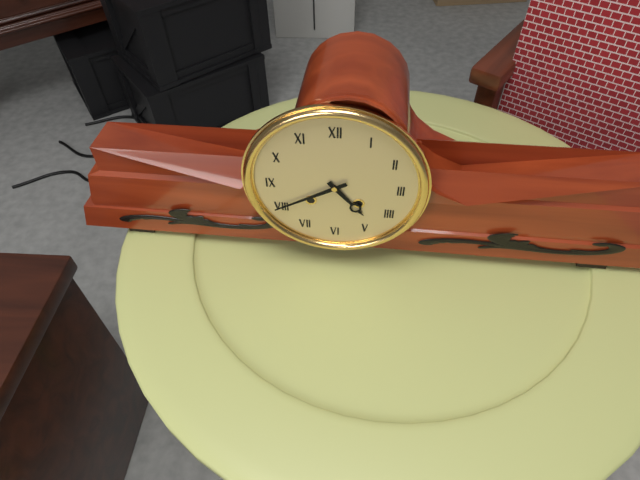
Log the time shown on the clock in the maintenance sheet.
4:40
